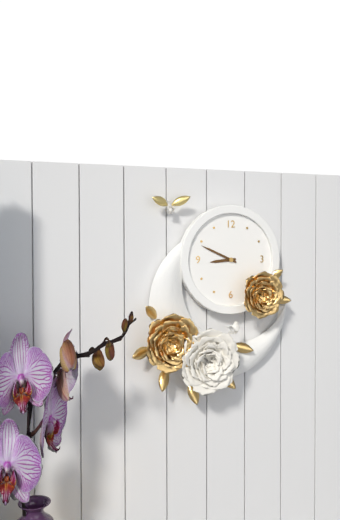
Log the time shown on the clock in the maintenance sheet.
8:49
